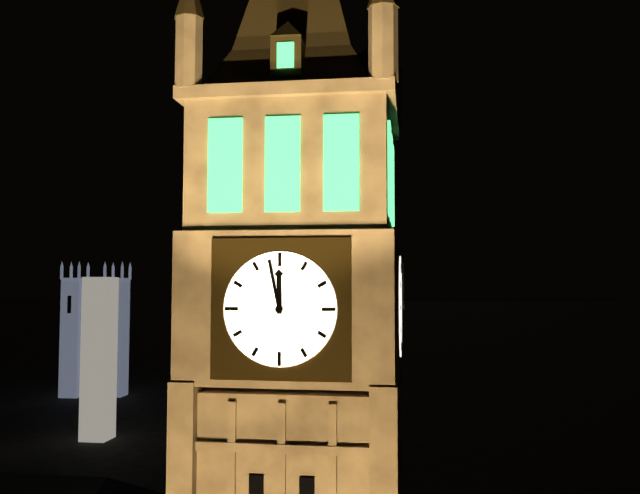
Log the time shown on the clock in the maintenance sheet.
11:58
